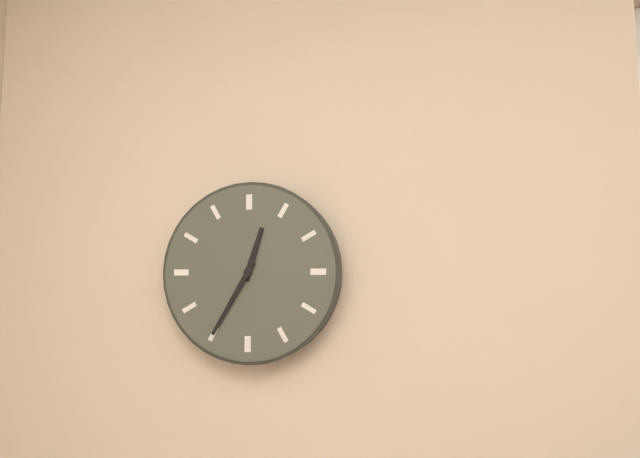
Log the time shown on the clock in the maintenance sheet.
12:35
